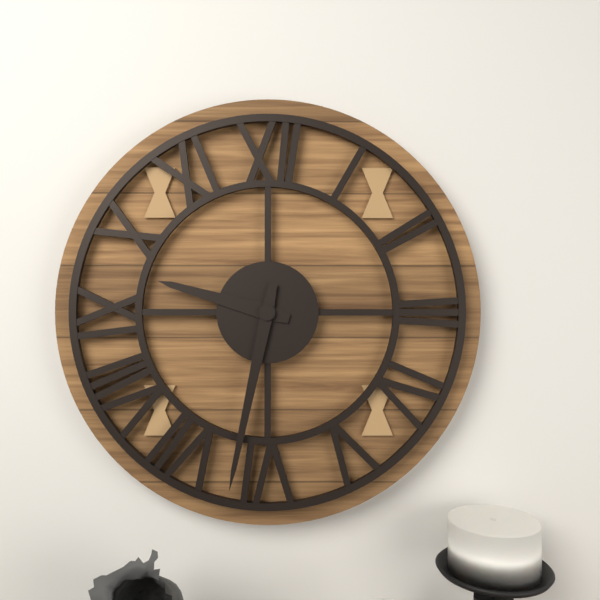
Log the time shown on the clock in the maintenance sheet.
9:32
